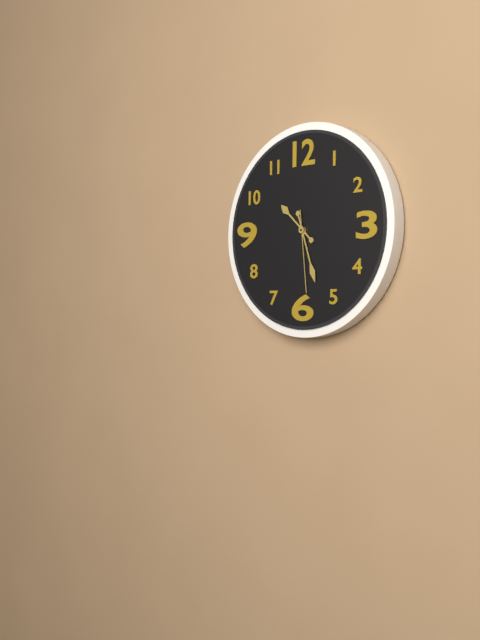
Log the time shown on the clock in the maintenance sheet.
10:27:29
